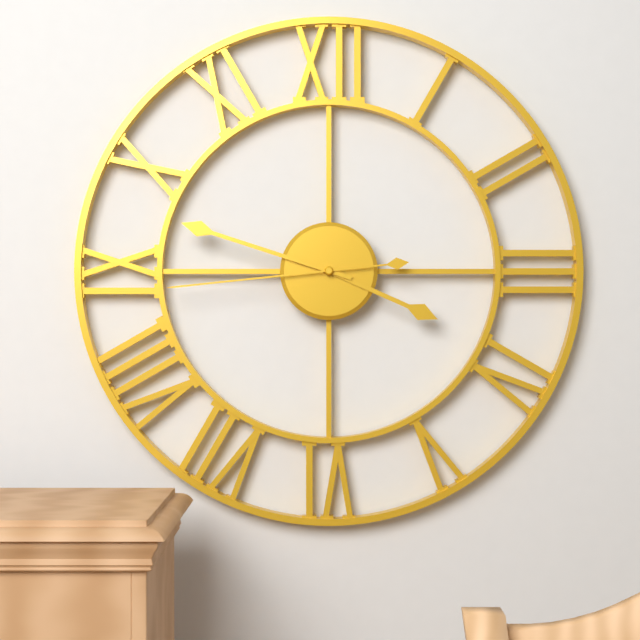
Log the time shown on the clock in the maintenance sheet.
3:48:44
